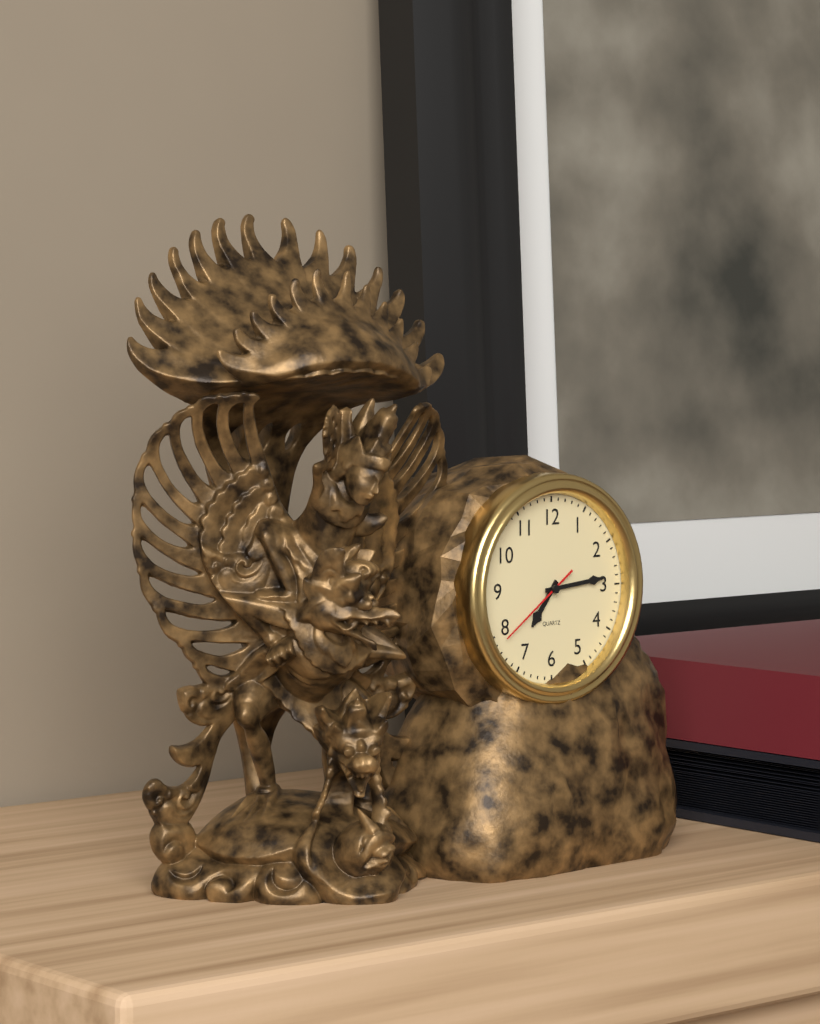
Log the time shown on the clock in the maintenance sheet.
7:14:39
